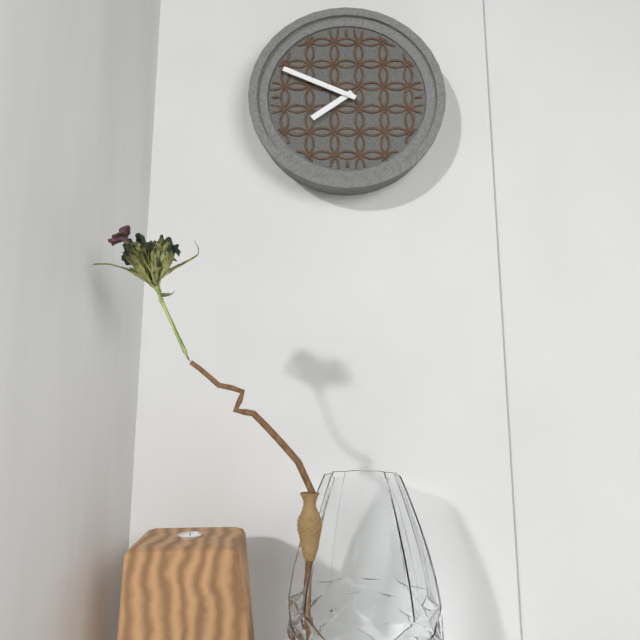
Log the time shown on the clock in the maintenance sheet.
7:49
